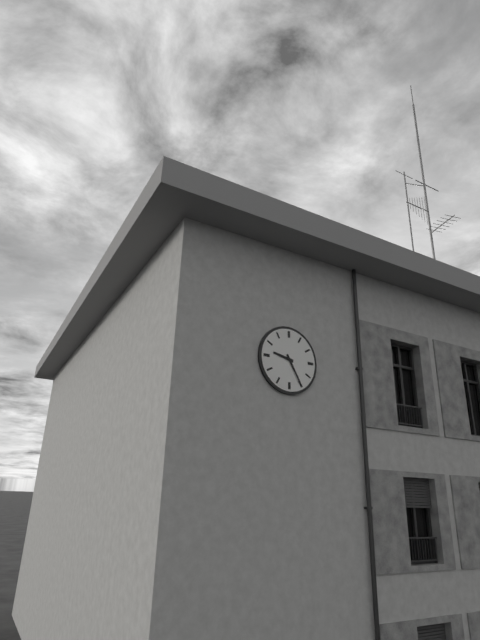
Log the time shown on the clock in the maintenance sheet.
9:25
